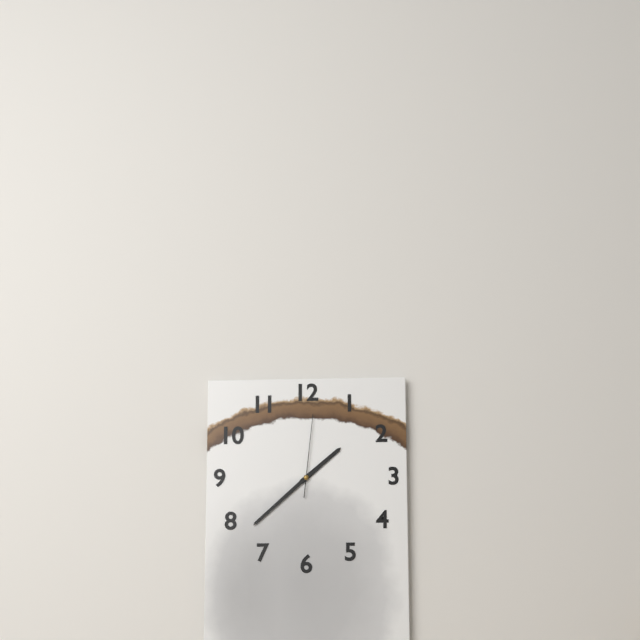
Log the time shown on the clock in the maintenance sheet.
1:38:01
